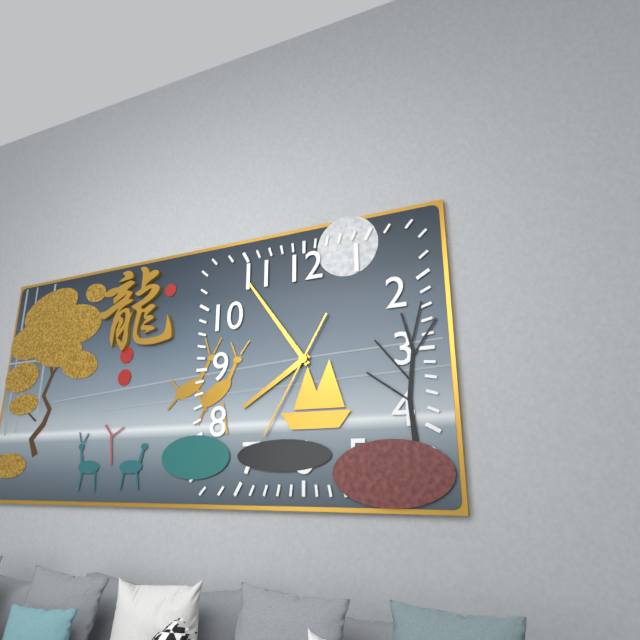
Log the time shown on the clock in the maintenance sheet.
7:54:35
